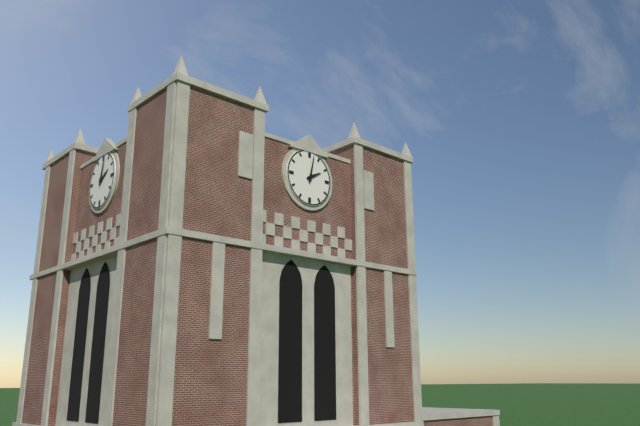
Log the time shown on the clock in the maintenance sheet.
2:02
